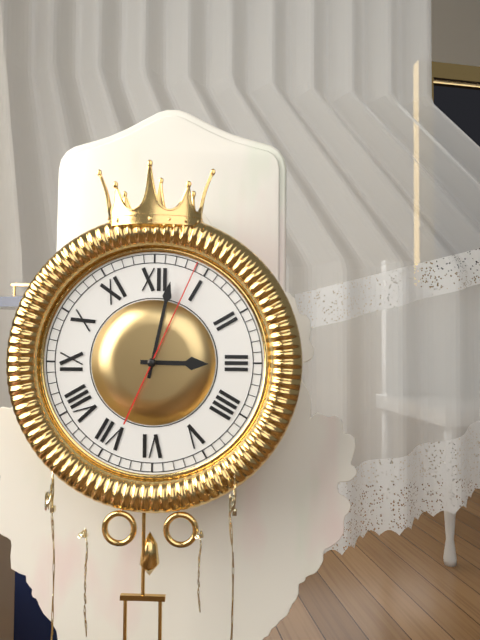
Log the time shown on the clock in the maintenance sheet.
3:02:04
